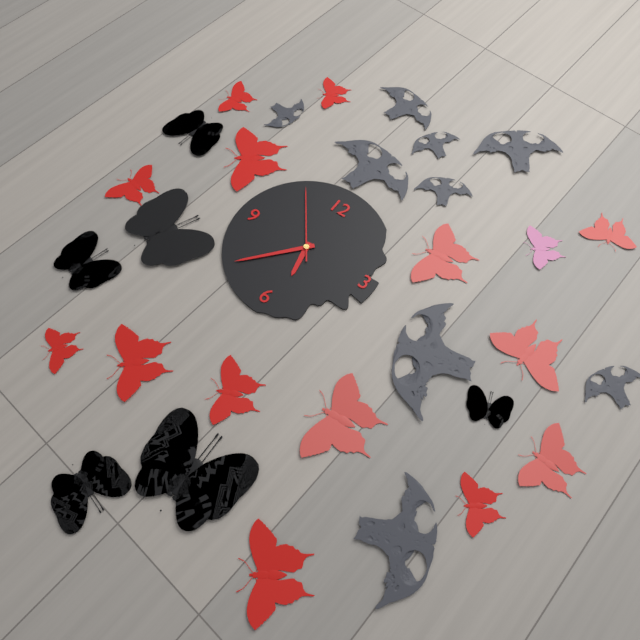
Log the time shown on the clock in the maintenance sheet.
5:37:54
